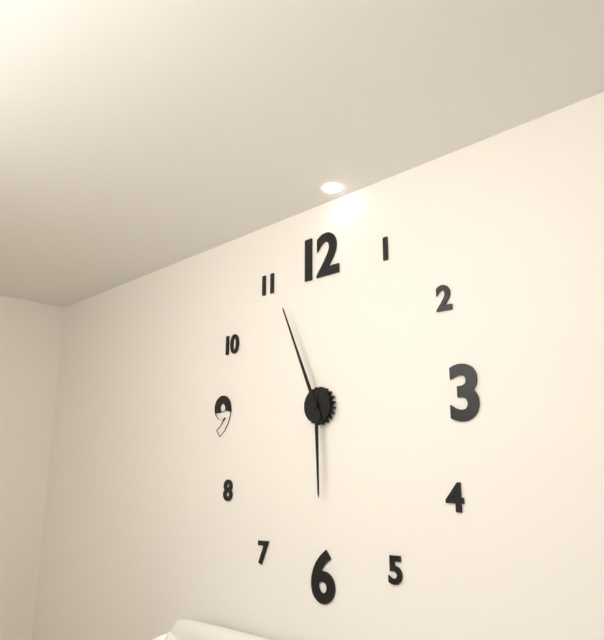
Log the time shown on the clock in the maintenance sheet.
5:56
